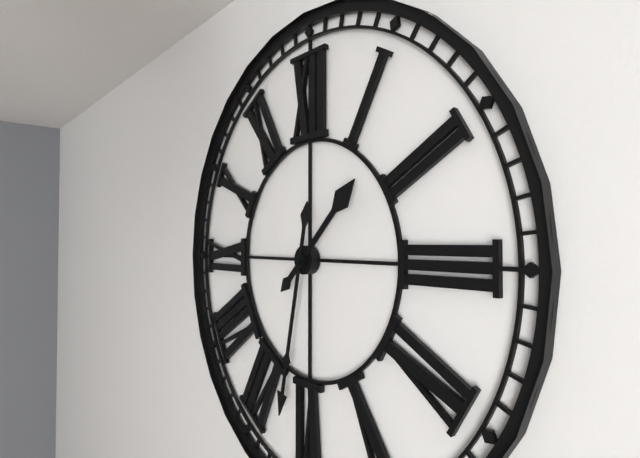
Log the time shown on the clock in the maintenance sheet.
1:32
